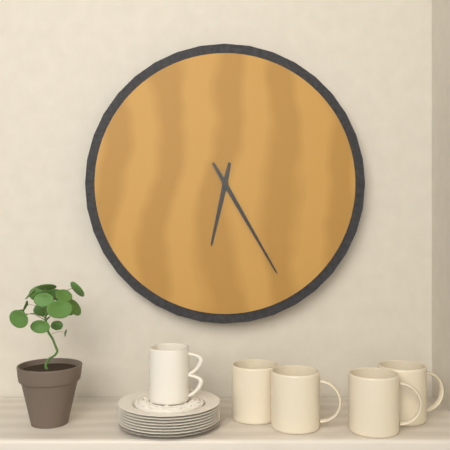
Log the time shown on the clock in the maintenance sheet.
6:25
